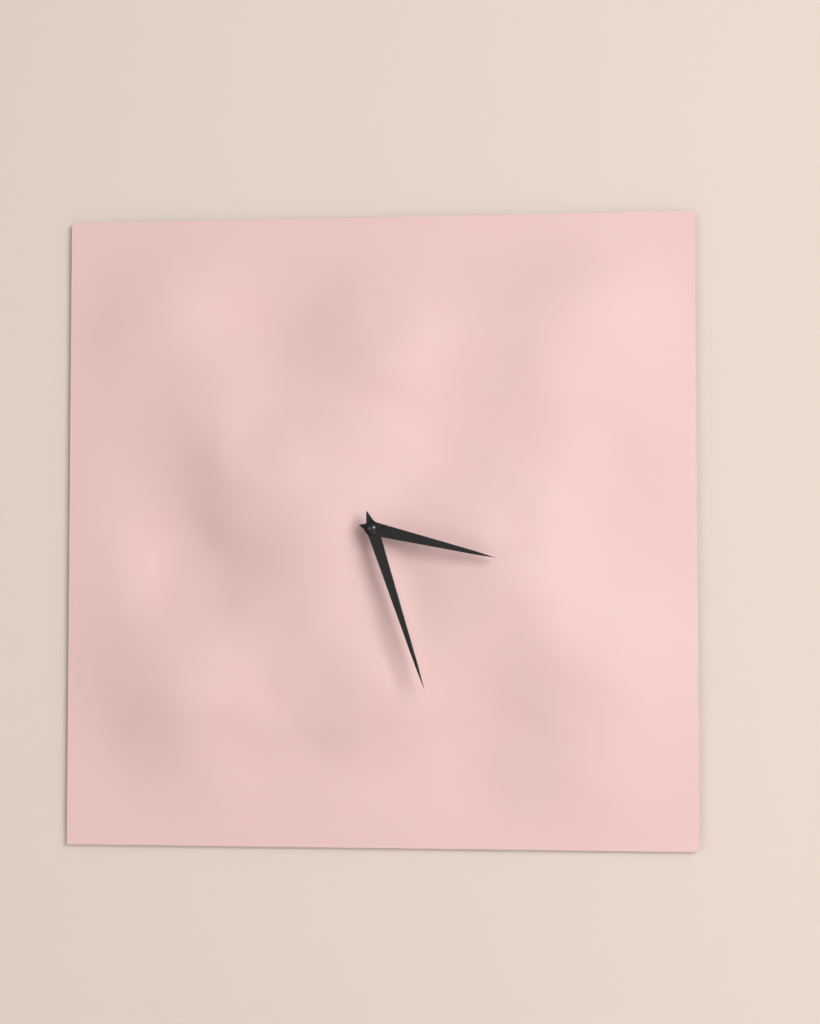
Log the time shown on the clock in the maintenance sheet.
3:27
